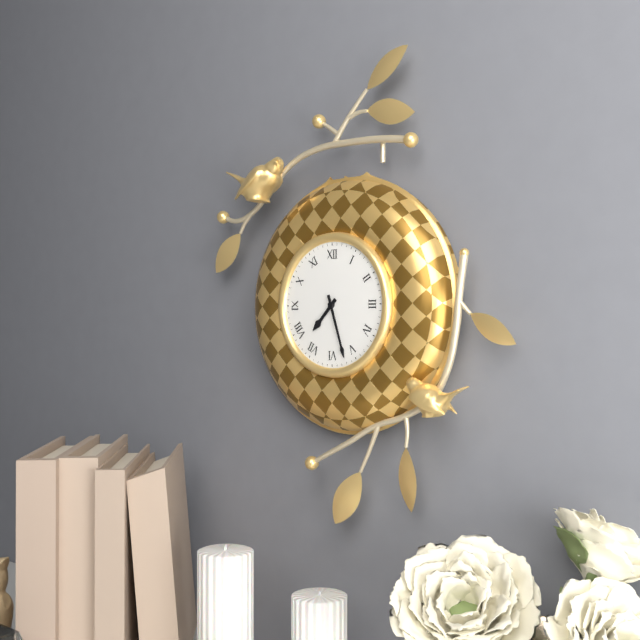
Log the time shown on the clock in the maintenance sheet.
7:27
